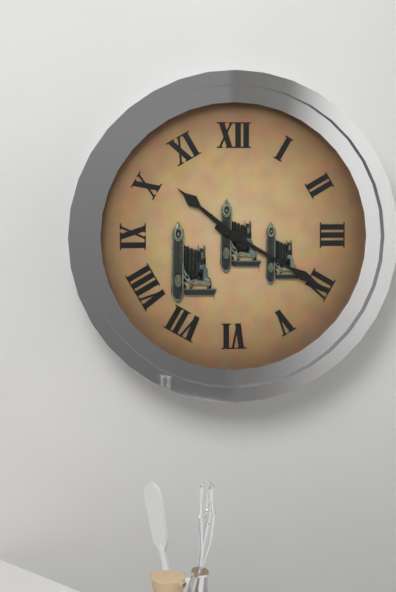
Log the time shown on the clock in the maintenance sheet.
10:20
